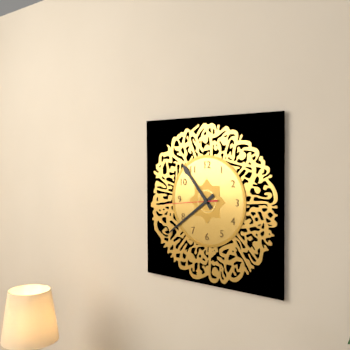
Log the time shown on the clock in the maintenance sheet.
10:39
